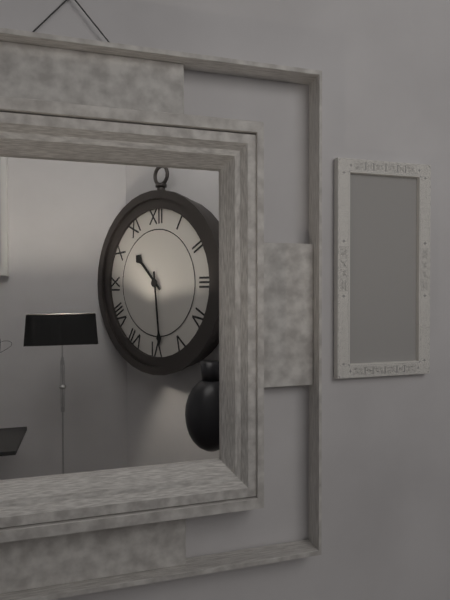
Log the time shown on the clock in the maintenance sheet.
10:29
